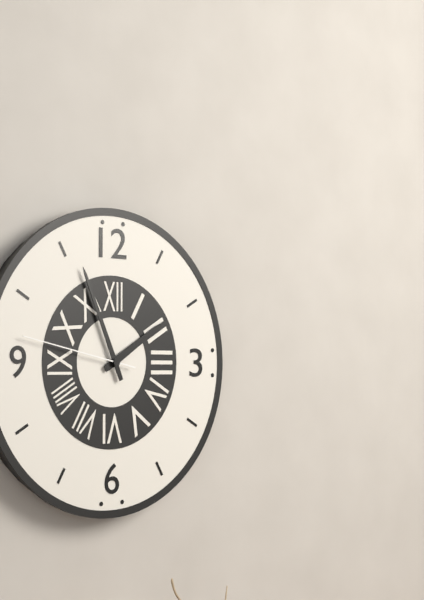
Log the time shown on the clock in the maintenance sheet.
1:56:47
